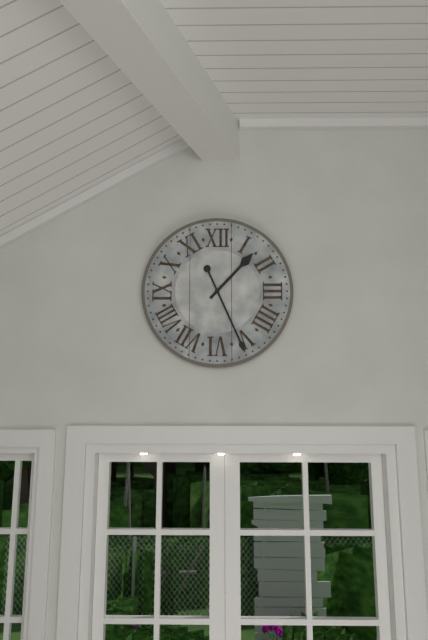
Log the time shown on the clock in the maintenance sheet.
1:26
